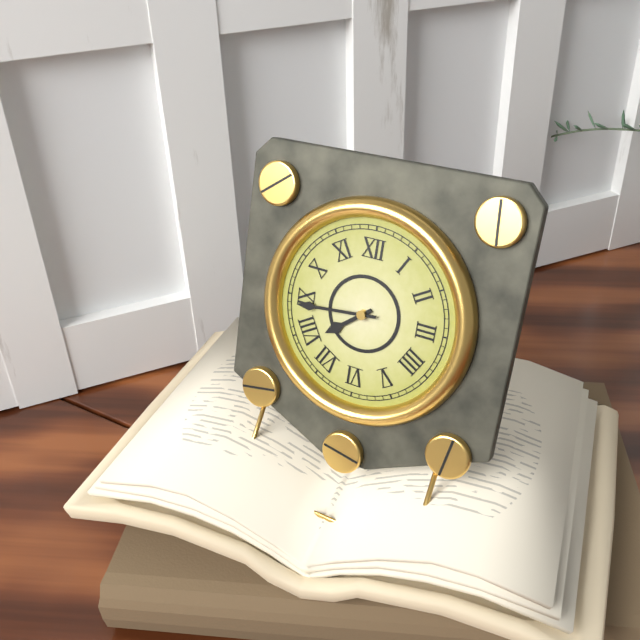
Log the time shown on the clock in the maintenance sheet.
7:44
